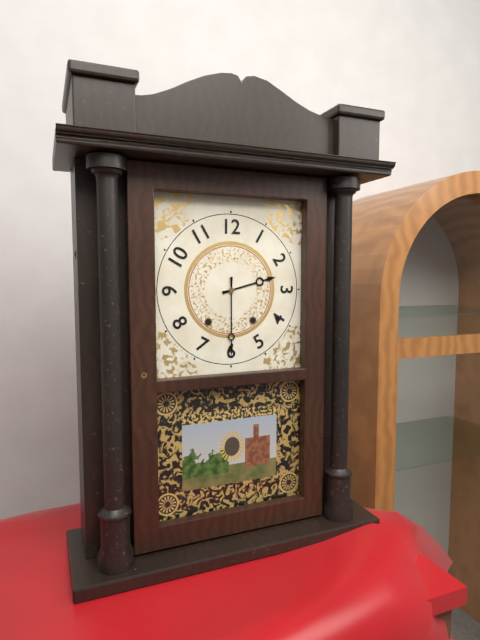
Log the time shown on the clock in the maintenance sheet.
2:30
